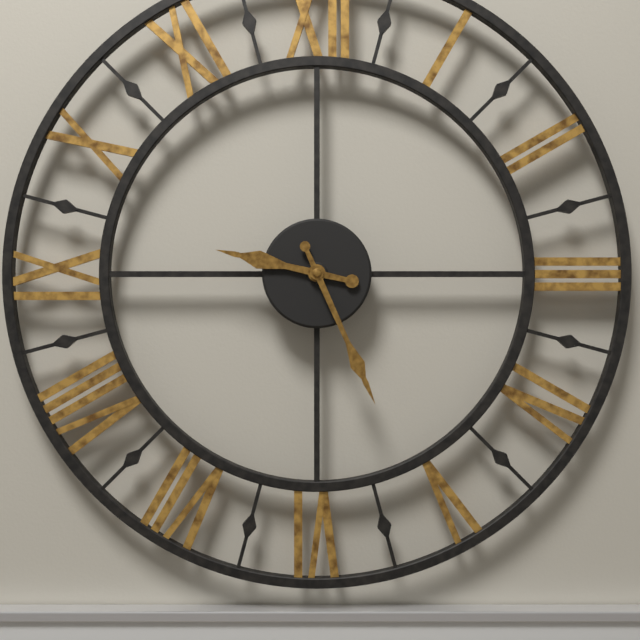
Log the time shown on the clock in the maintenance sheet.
9:26
